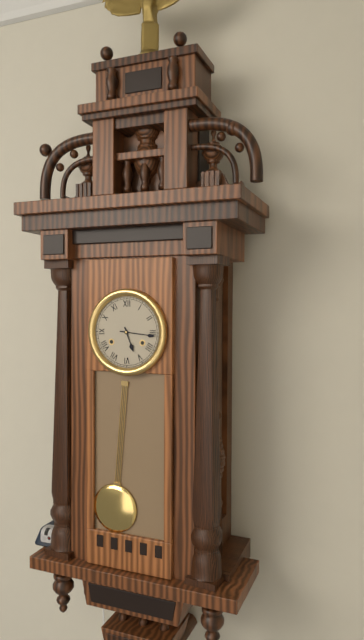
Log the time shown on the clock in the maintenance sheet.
5:16
